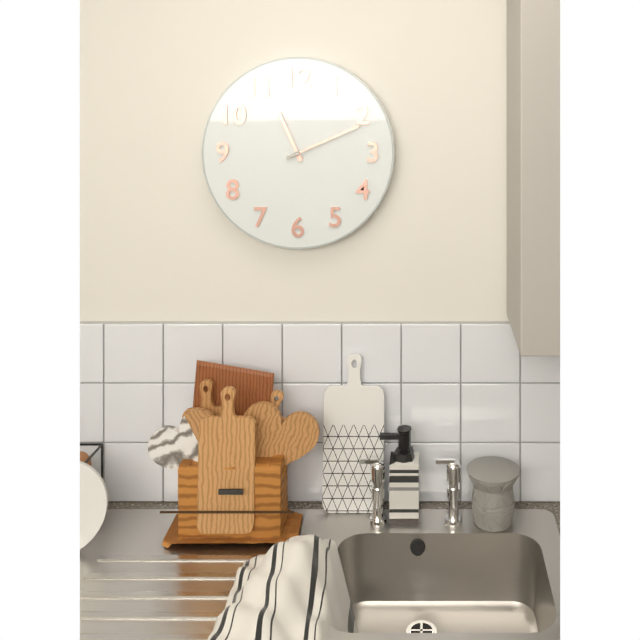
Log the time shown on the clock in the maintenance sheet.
11:11
